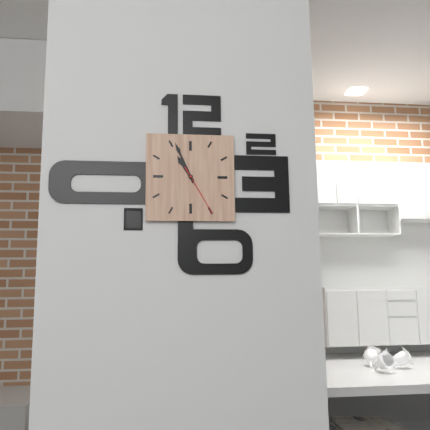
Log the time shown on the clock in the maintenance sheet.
10:56:25
